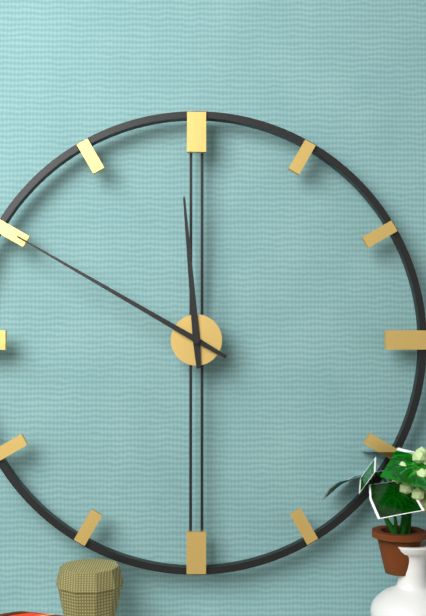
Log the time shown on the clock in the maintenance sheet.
11:50
